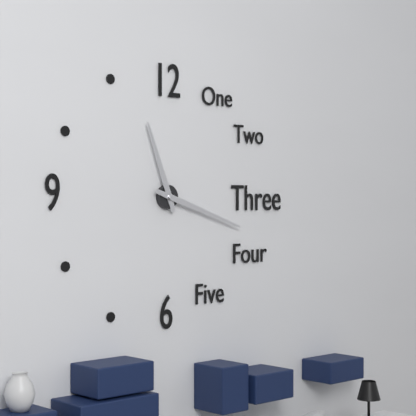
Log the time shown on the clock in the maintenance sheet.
11:18
